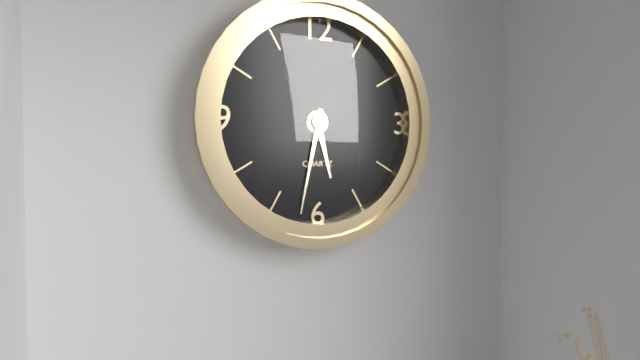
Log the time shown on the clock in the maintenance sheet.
5:32
